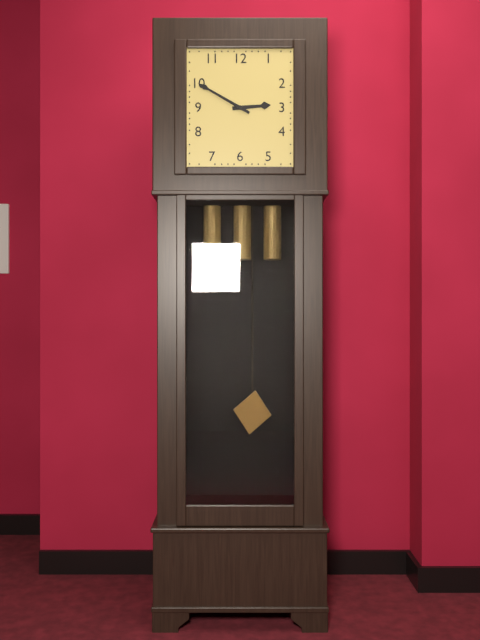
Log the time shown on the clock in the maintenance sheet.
2:50
